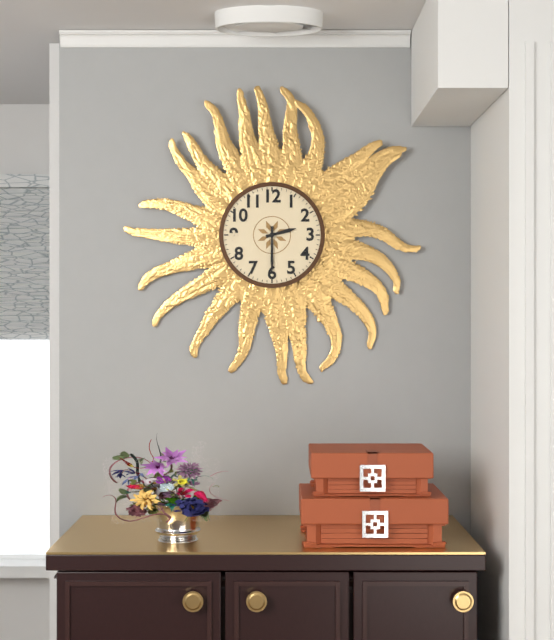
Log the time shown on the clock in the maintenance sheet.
2:30
